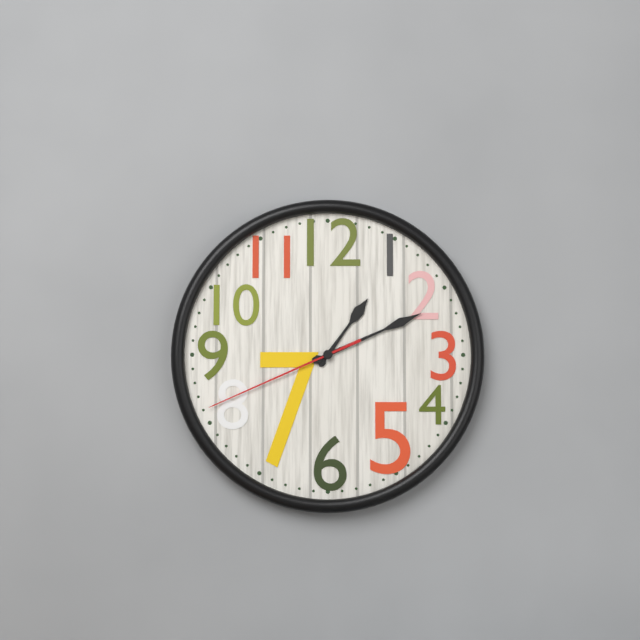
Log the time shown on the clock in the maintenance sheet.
1:11:41
